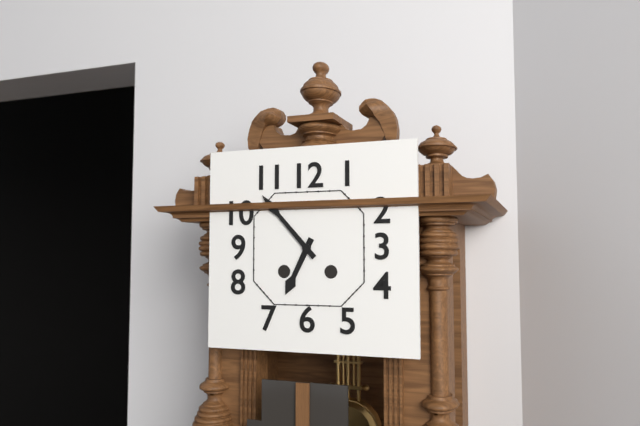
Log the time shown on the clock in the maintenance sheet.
6:53
